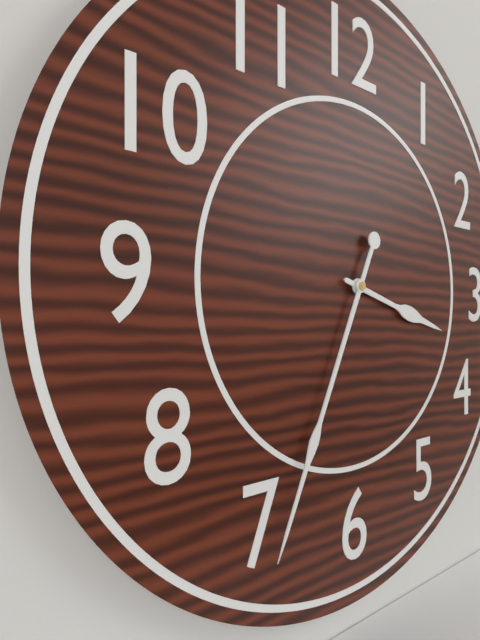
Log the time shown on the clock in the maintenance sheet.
3:34
